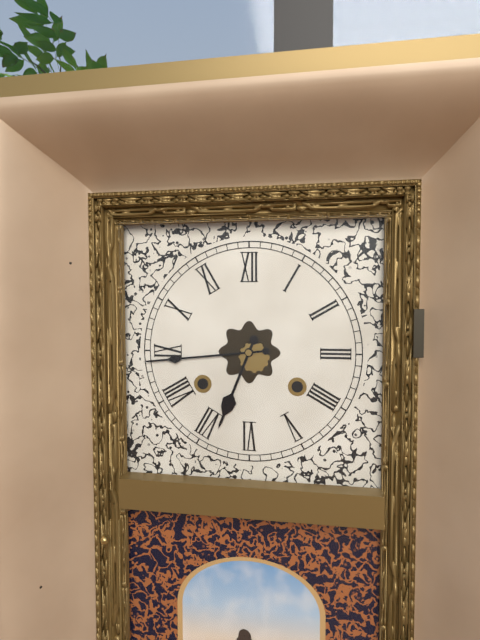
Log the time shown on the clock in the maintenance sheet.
6:44
